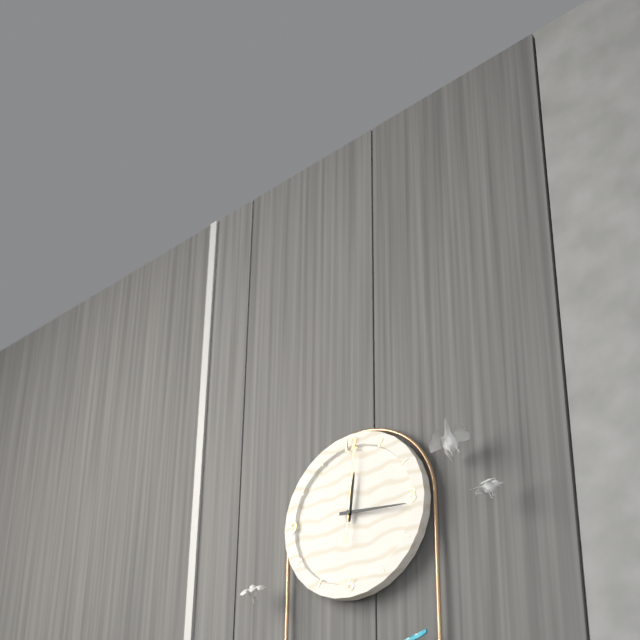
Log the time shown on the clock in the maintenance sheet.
12:16:01
